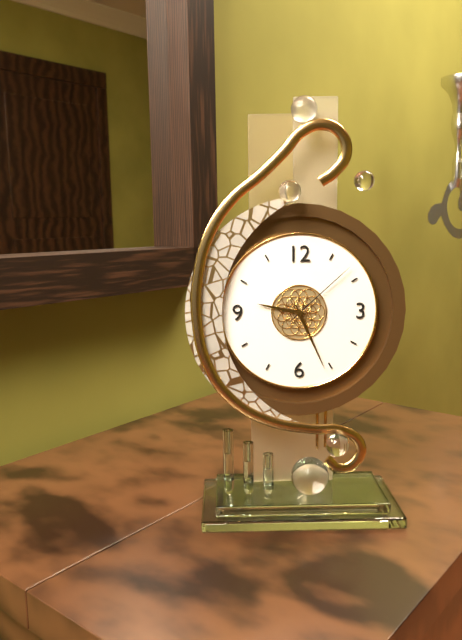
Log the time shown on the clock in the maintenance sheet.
9:26:08
